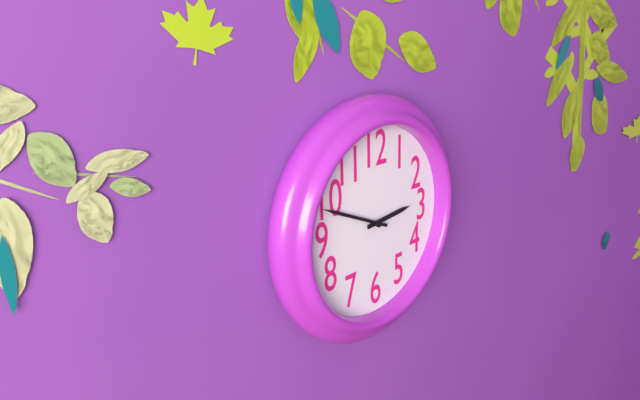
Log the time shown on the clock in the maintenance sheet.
2:49
